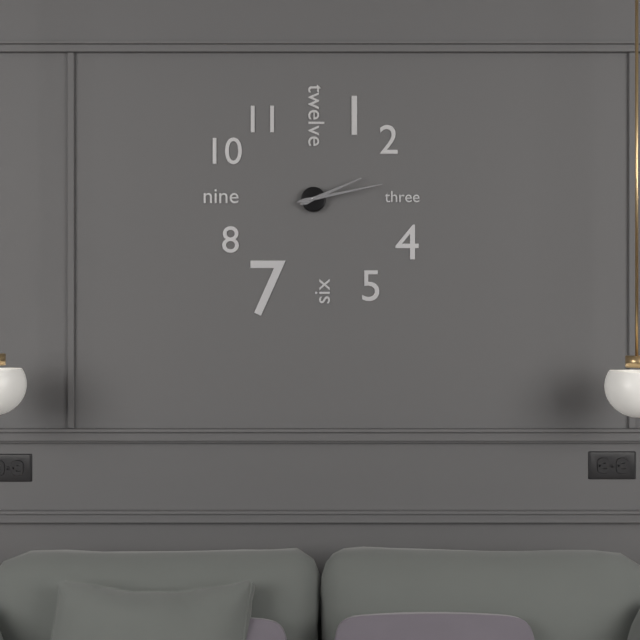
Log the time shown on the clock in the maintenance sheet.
2:13
